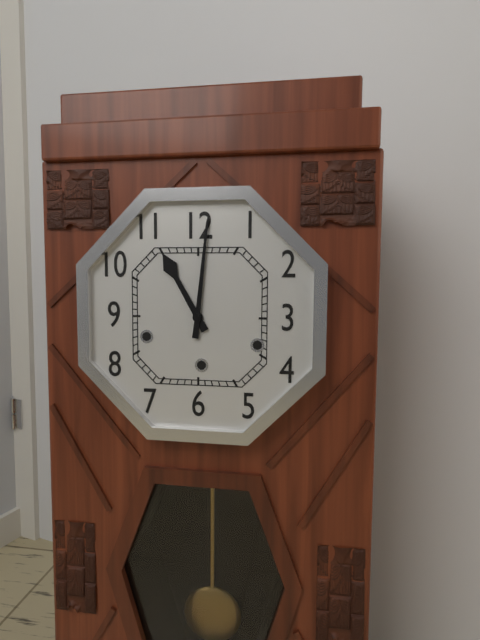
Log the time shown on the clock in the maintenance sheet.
11:01
